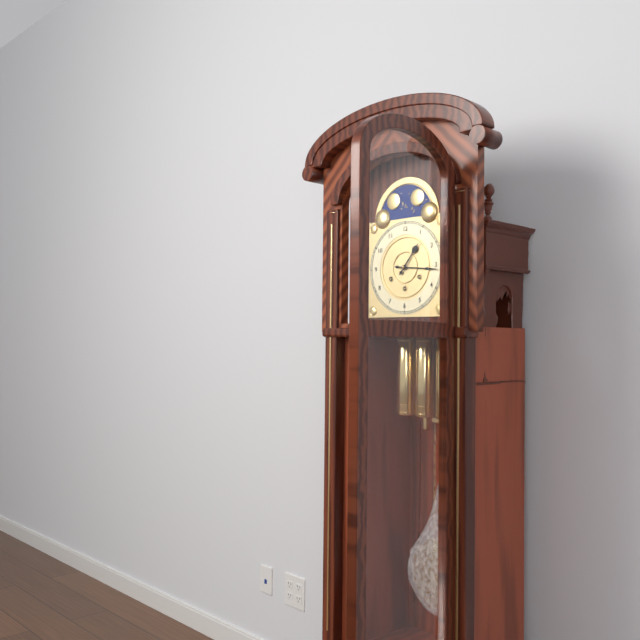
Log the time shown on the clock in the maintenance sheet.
1:16
